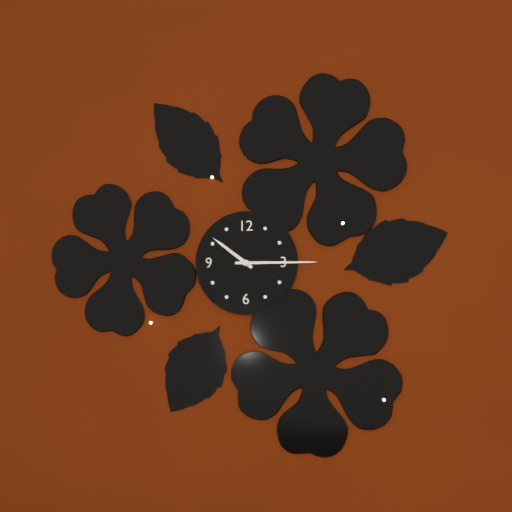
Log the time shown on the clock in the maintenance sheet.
10:15
